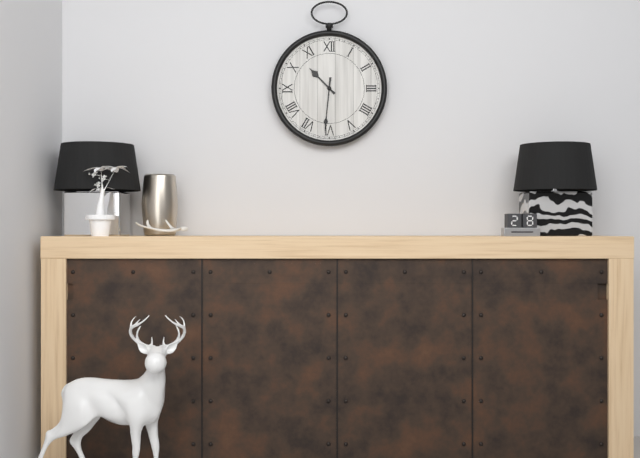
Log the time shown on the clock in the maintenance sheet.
10:31
